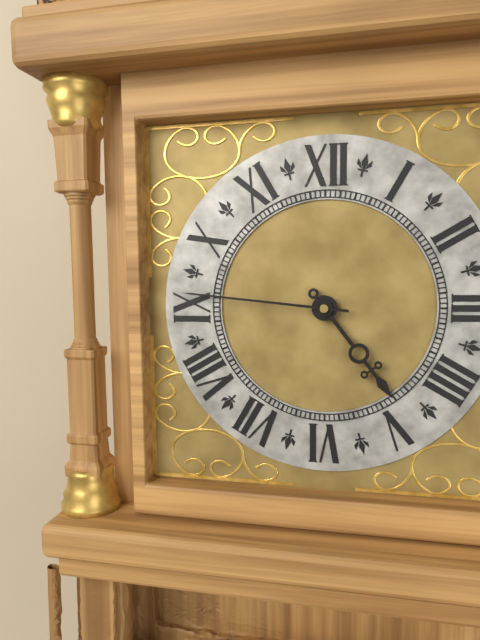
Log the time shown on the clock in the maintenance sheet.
4:46
